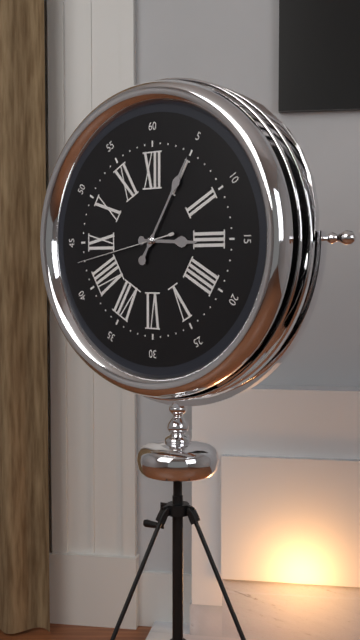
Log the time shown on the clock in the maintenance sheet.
3:05:43
